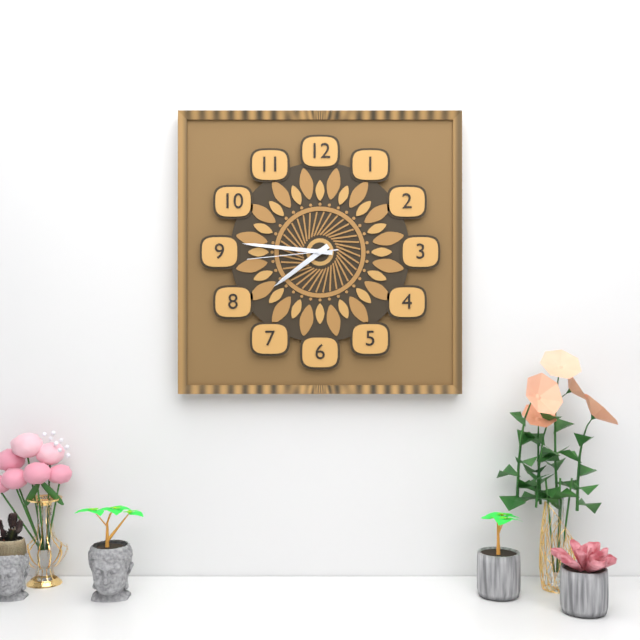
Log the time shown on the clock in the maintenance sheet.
7:46:44
